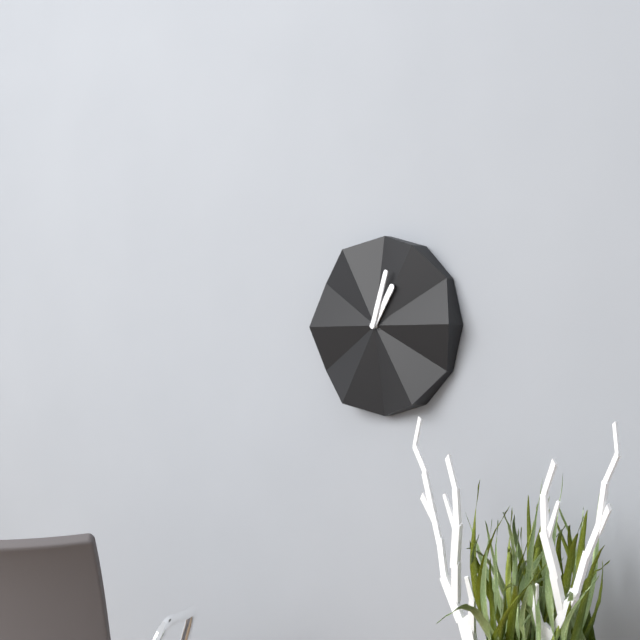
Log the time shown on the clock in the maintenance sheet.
1:03
